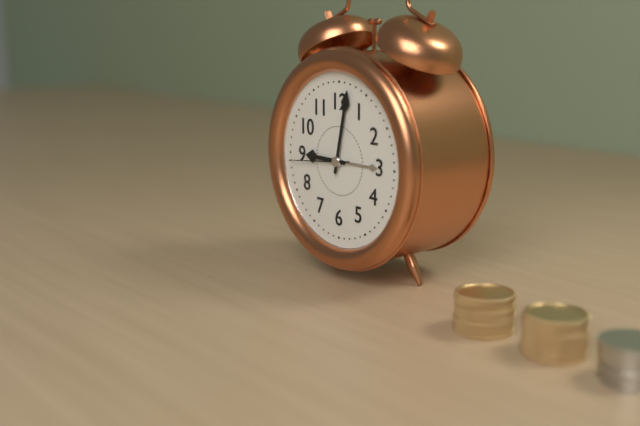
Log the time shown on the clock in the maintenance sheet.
9:02:44
